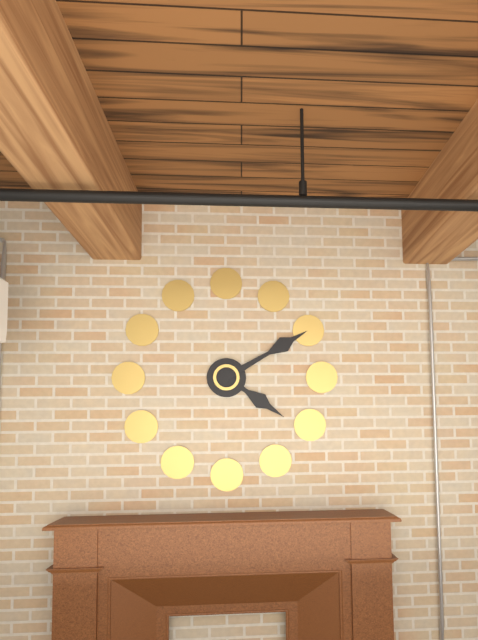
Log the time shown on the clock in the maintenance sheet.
4:10
